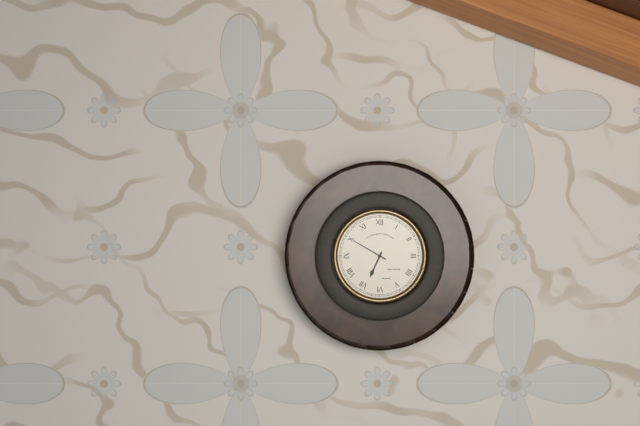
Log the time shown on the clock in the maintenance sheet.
6:50
